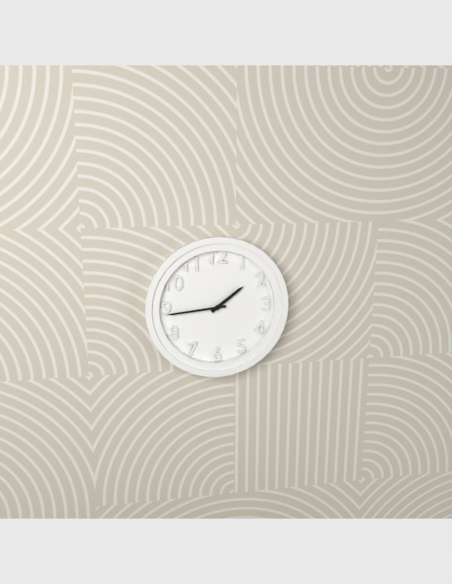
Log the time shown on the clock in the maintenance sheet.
1:44
